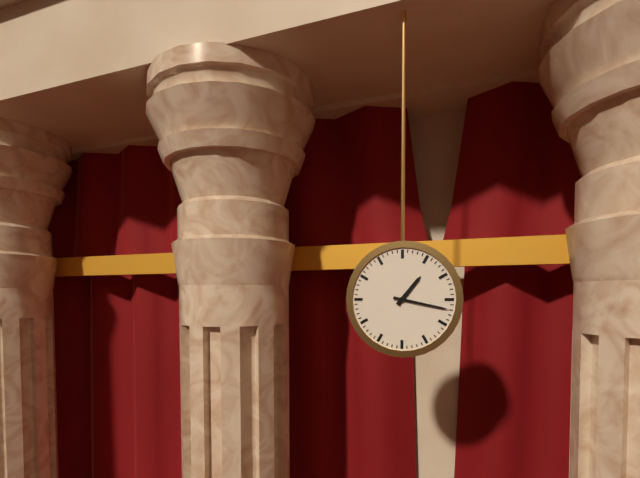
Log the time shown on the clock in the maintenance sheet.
1:17
